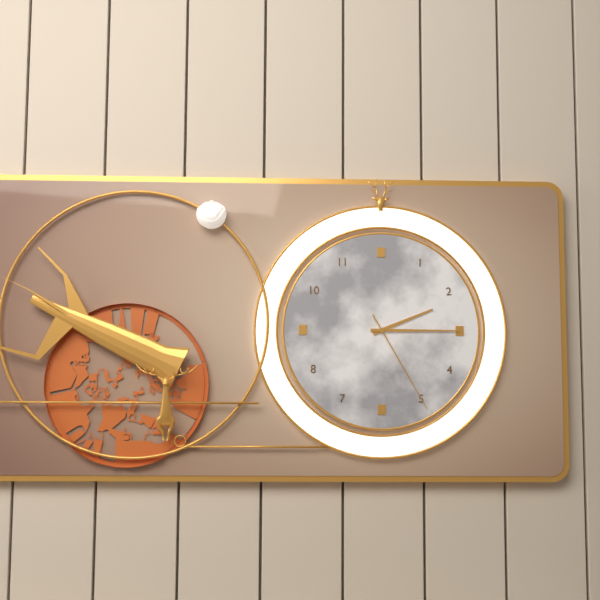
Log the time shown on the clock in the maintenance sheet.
2:15:25
